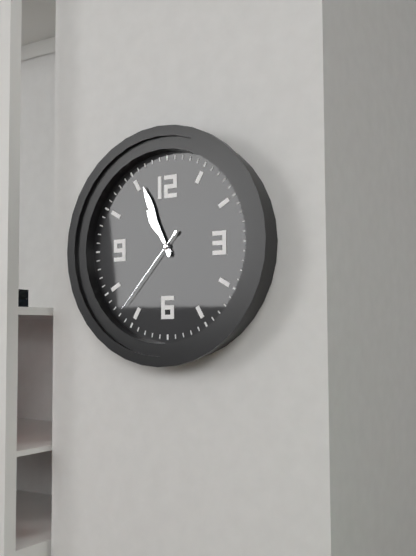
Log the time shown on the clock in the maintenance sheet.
10:56:37
